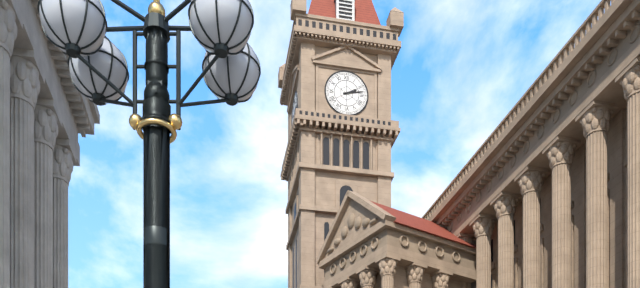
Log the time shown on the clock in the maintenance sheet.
2:13
